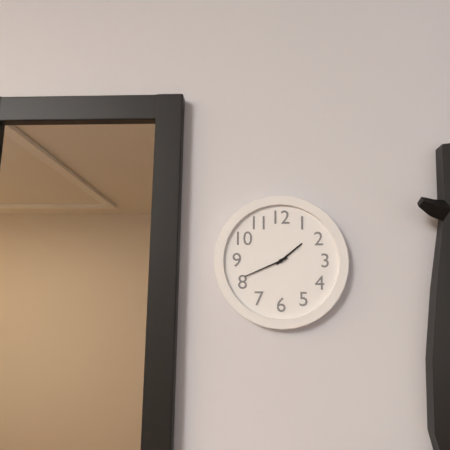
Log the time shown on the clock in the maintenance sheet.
1:41
